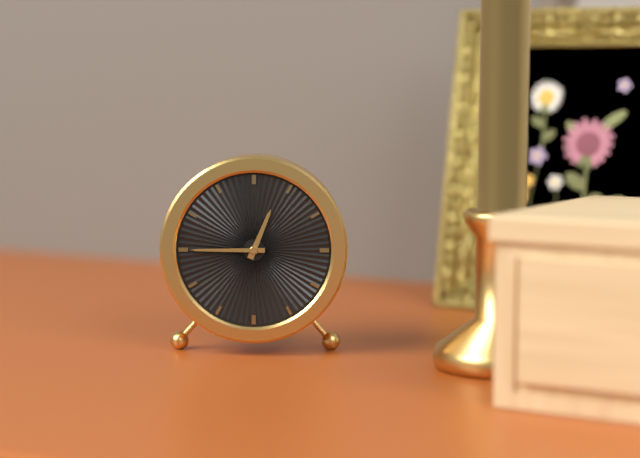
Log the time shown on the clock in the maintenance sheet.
12:45
